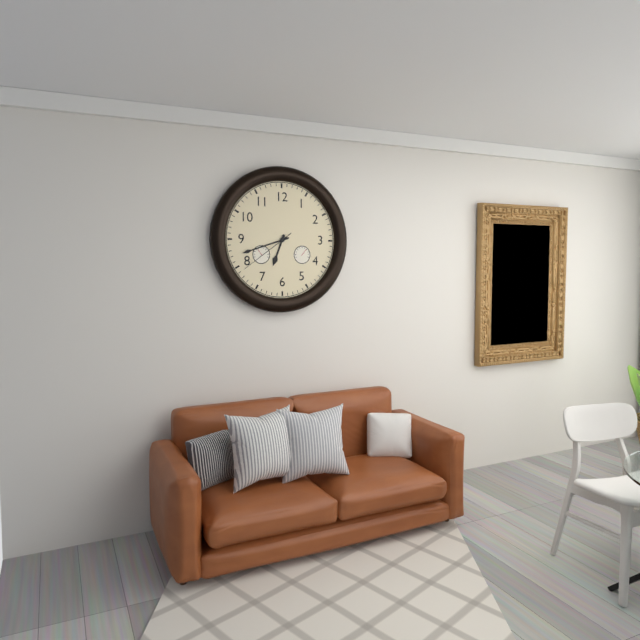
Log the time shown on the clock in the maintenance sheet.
6:42:39
